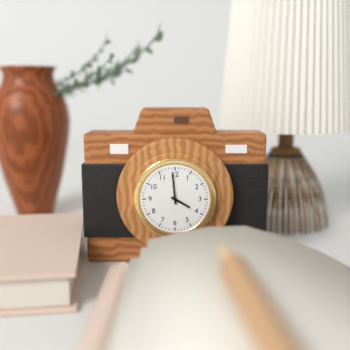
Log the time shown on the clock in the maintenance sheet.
3:59
